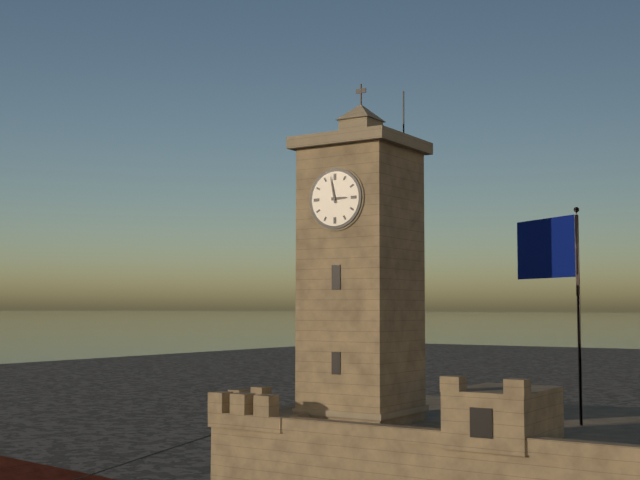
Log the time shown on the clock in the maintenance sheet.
2:58
